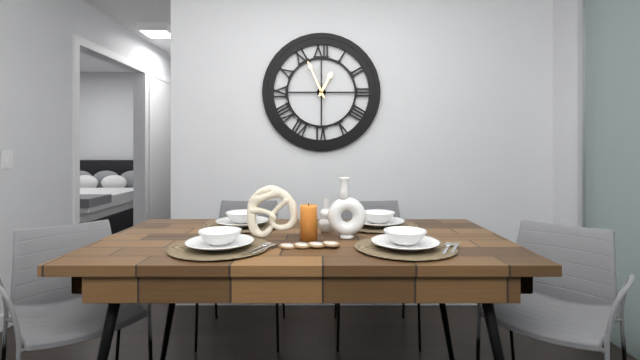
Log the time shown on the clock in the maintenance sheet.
12:56
